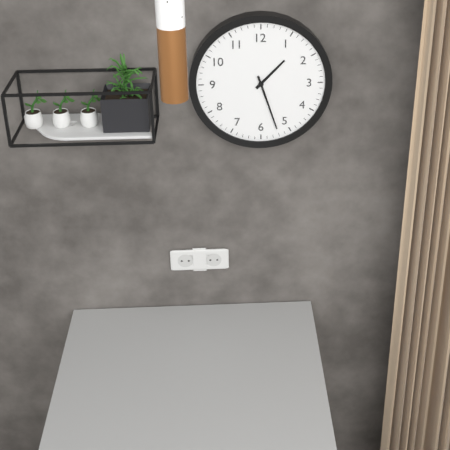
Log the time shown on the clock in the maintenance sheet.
1:27
